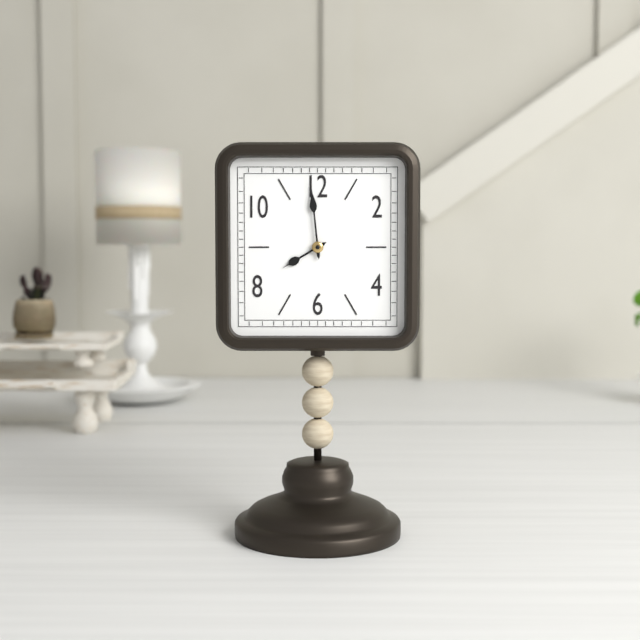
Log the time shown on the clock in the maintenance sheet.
7:59
